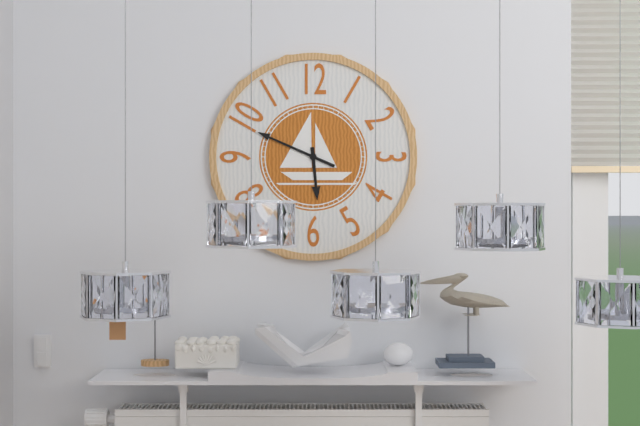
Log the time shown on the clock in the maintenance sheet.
5:49
